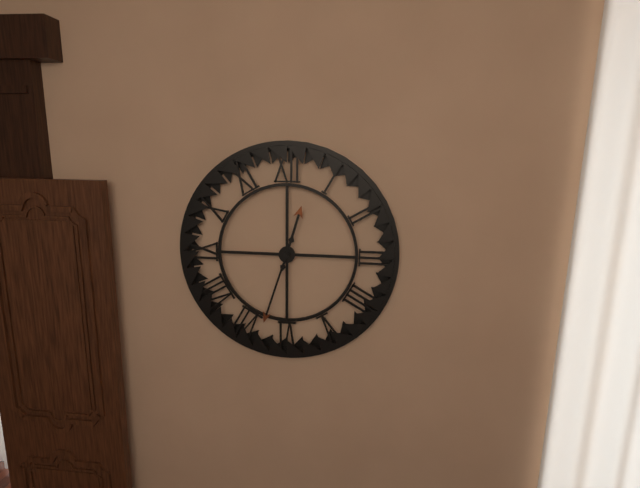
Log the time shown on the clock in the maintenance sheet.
12:33
